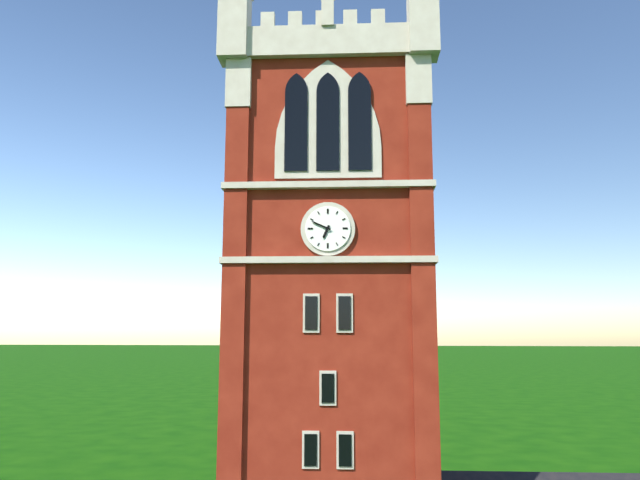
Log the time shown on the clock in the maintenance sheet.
6:49
